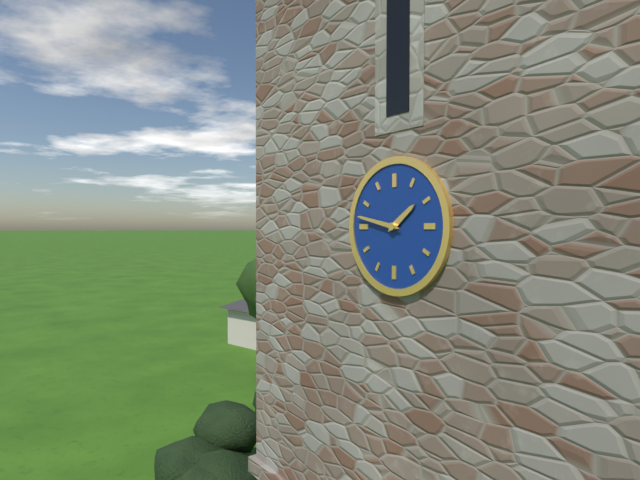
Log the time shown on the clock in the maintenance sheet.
1:47
